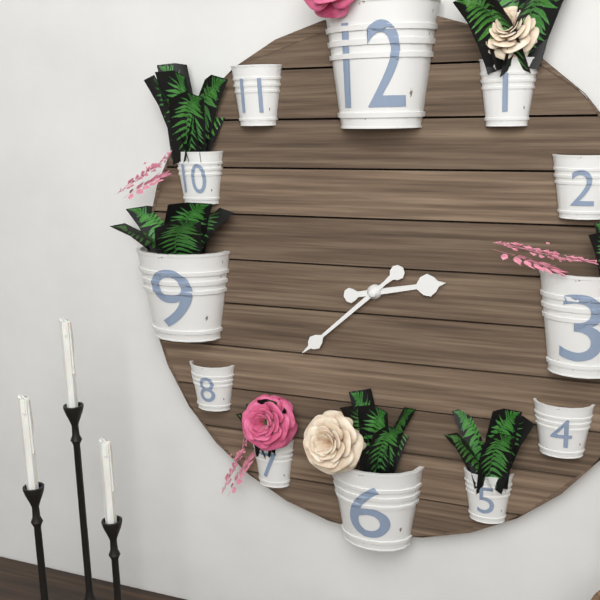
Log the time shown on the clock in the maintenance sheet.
2:38
